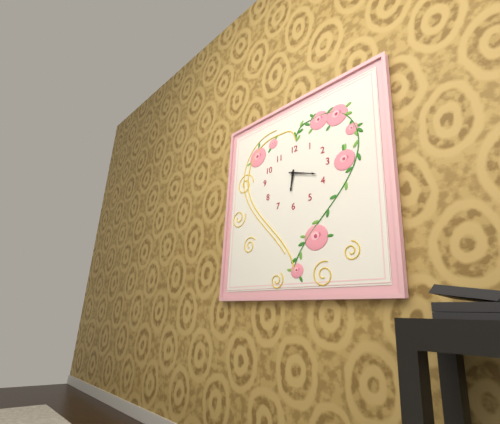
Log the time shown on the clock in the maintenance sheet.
6:18
